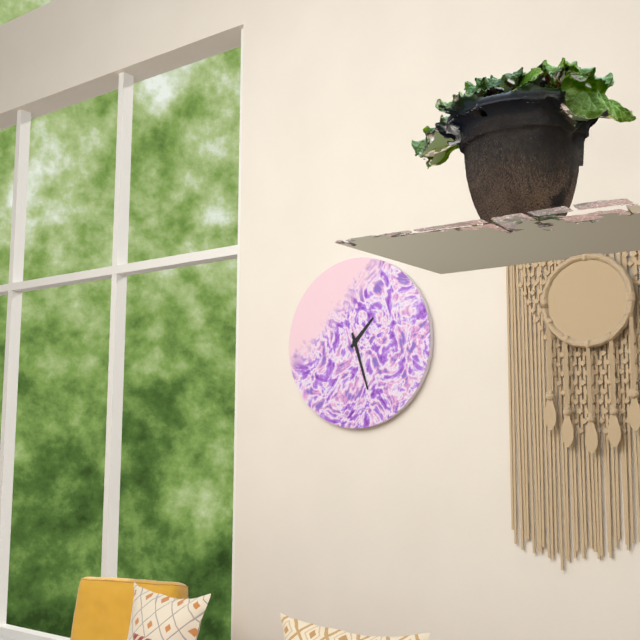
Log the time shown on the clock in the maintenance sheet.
1:27
